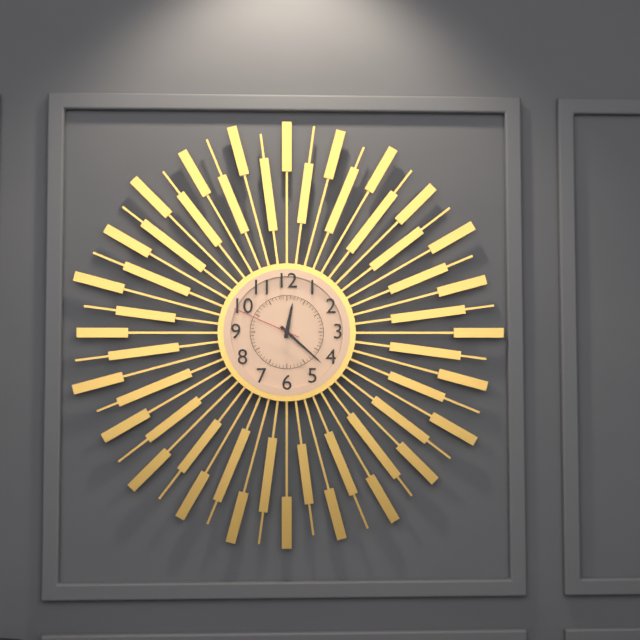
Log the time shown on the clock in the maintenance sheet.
12:22:49
